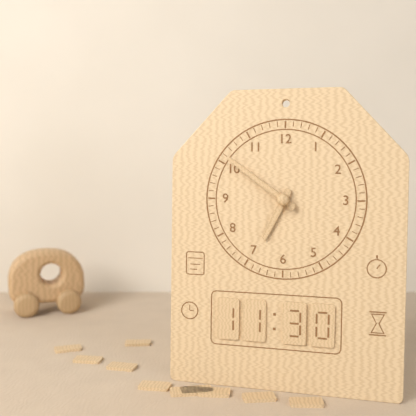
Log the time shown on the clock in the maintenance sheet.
6:51
